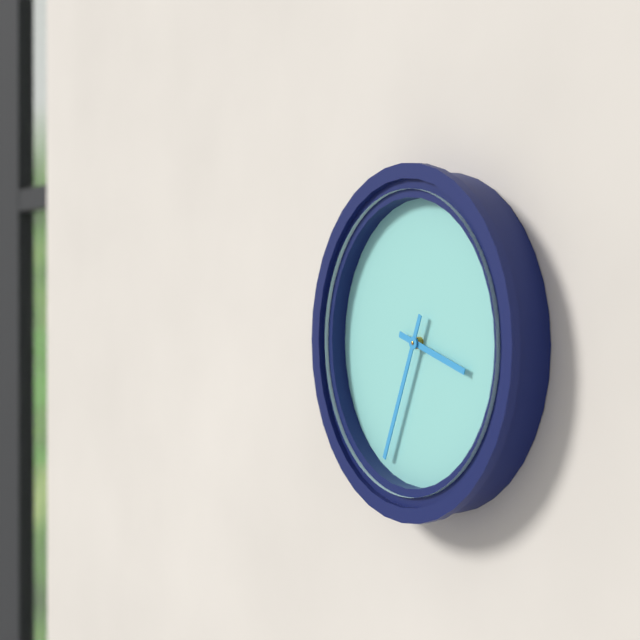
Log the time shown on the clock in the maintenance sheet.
3:34
